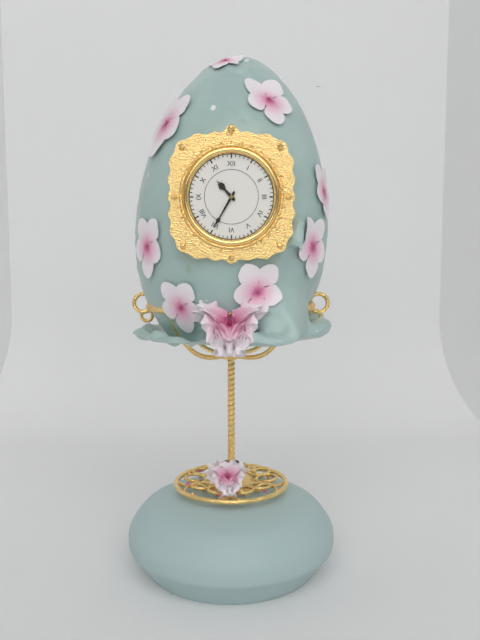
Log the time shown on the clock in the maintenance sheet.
10:35
